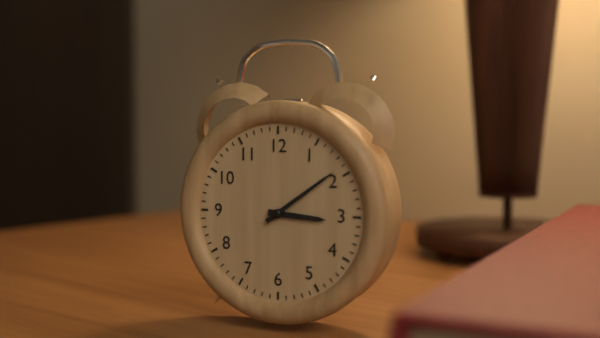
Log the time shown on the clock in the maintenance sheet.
3:09
